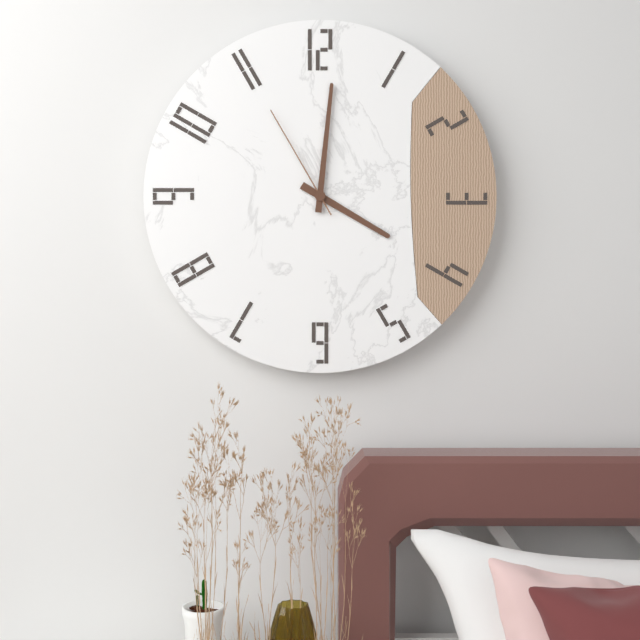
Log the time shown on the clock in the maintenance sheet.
4:01:55
